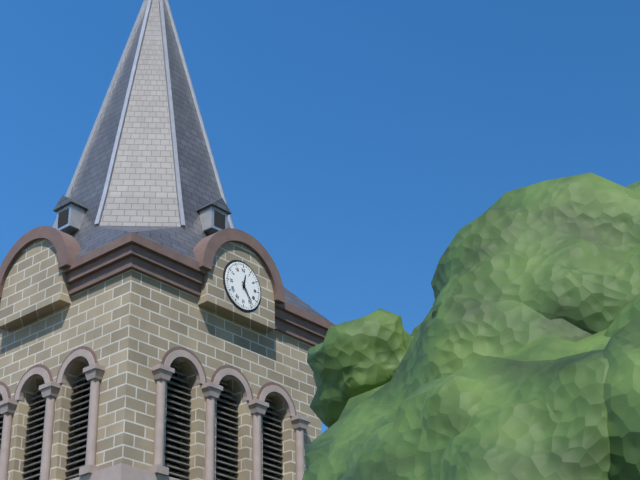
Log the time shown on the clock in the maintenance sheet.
12:24
